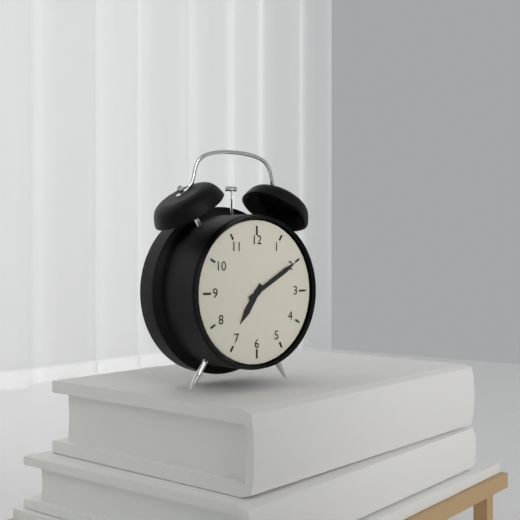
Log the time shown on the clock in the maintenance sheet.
7:10
